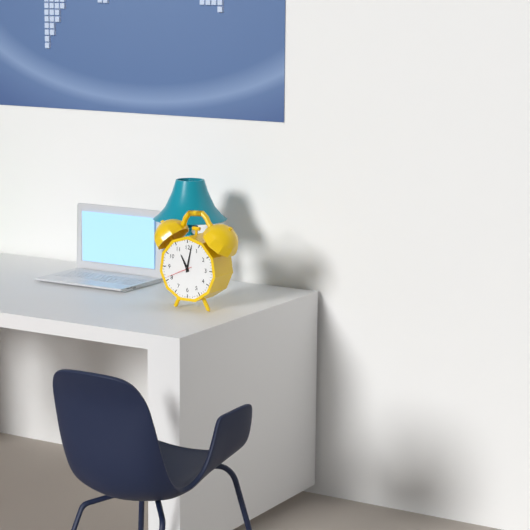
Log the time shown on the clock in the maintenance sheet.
11:02
